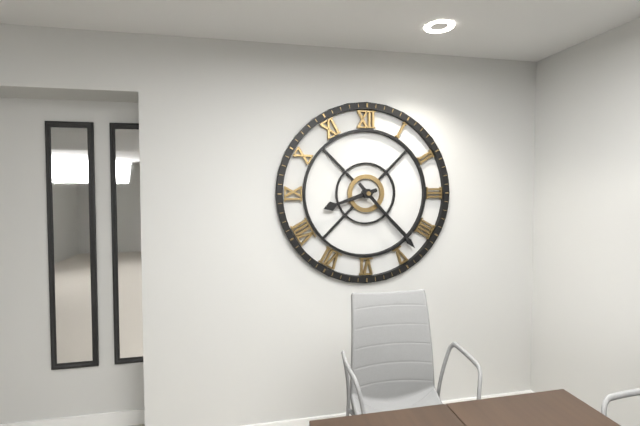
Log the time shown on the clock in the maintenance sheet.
8:23
